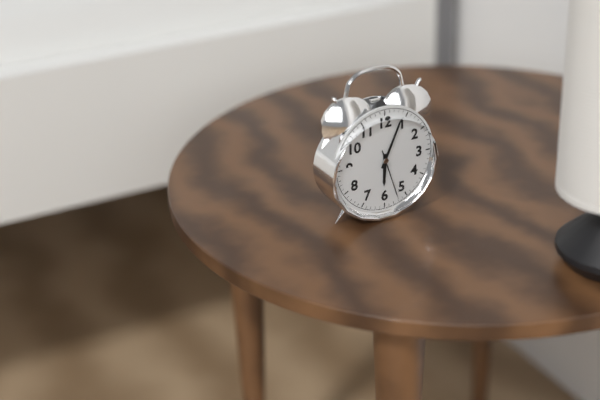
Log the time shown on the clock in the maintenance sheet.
6:04:27
